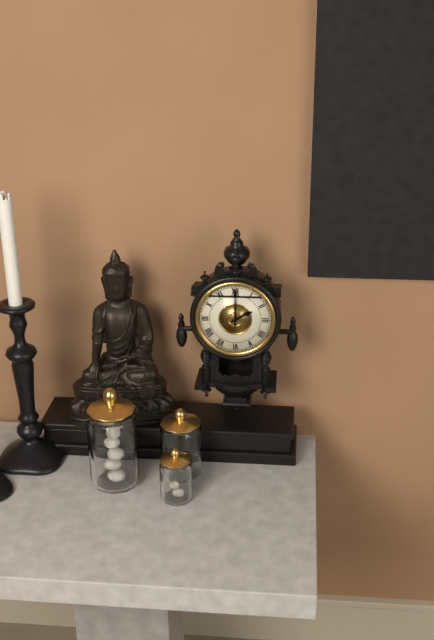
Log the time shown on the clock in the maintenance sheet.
2:00
